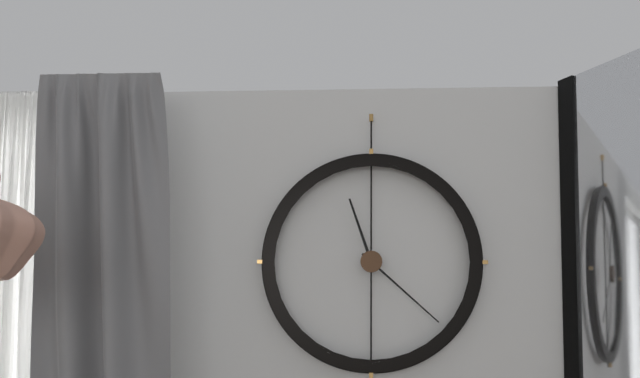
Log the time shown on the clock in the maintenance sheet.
11:22
